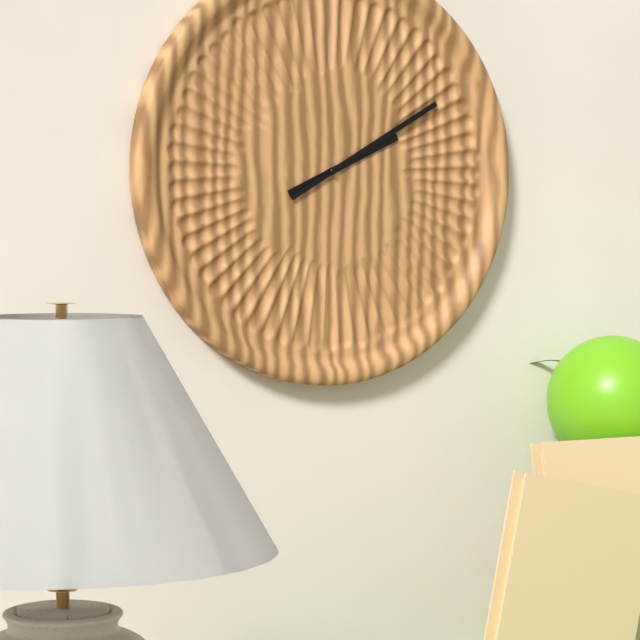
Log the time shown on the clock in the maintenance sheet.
2:10
